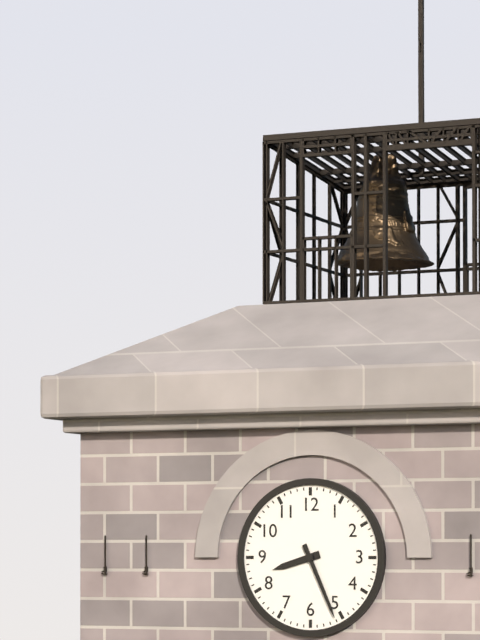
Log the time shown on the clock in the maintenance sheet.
8:26
